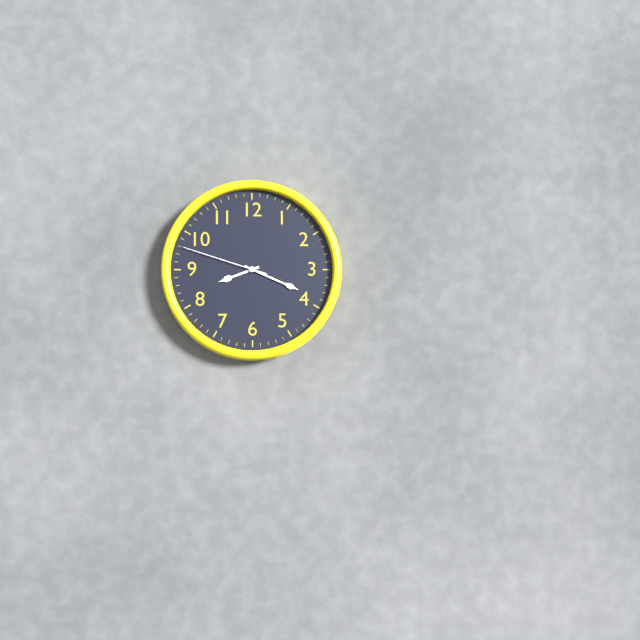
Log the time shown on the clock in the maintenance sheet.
8:19:48
